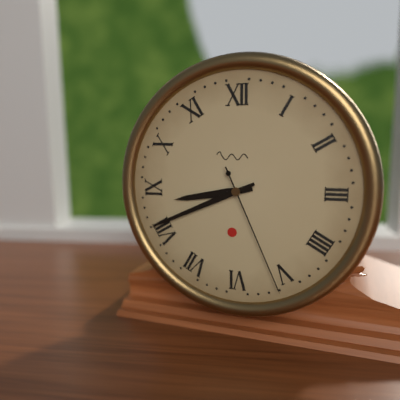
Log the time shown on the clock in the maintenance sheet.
8:41:26
